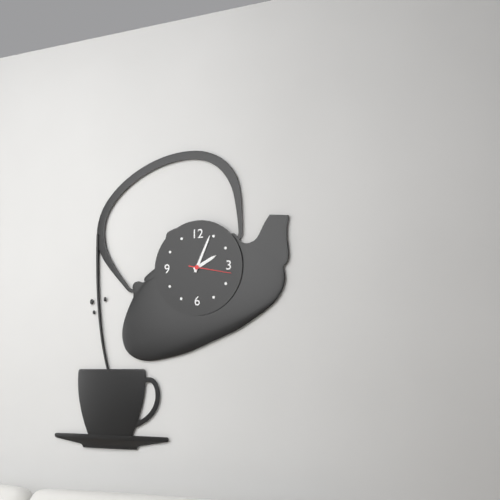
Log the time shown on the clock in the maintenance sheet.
2:04
